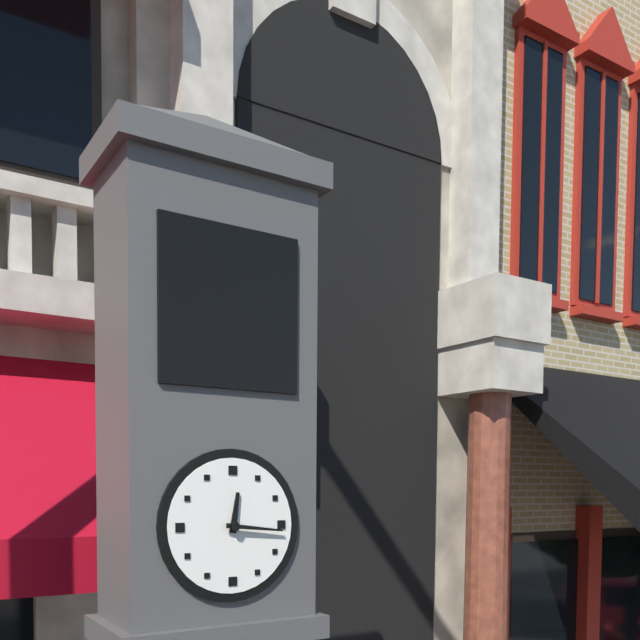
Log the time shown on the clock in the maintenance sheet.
12:16
